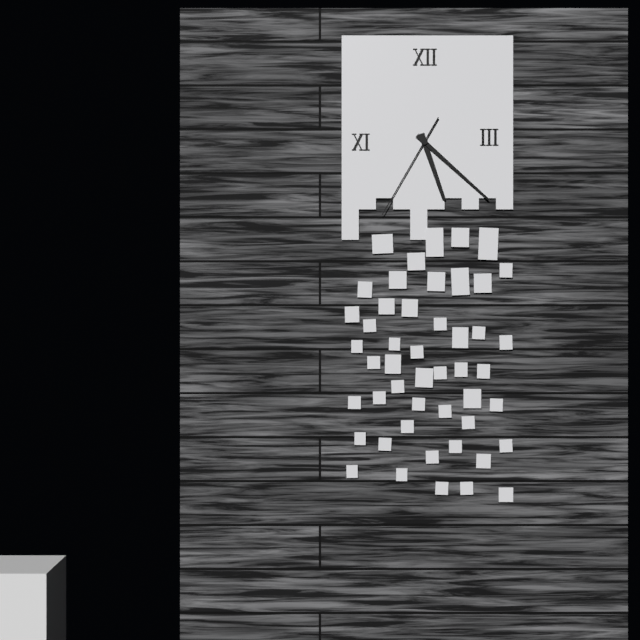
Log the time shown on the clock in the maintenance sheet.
5:22:35
